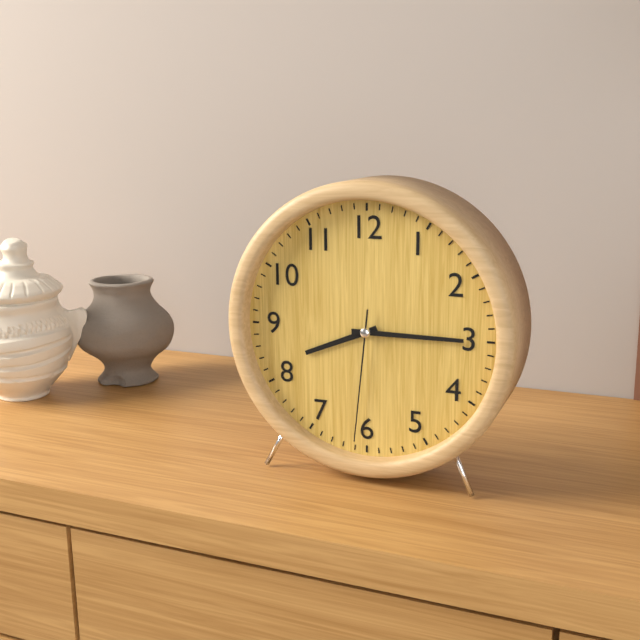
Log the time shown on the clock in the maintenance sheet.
8:15:31
